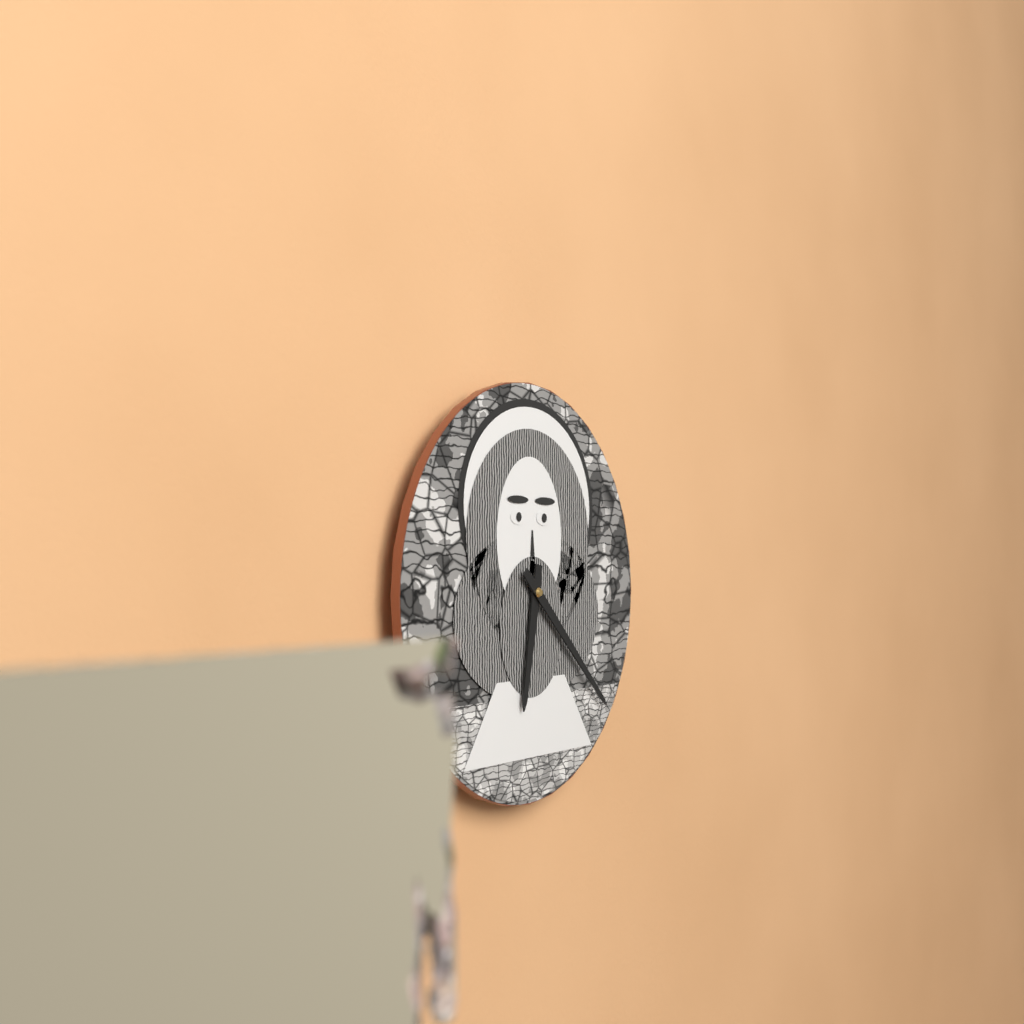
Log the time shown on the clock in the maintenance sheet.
6:22
